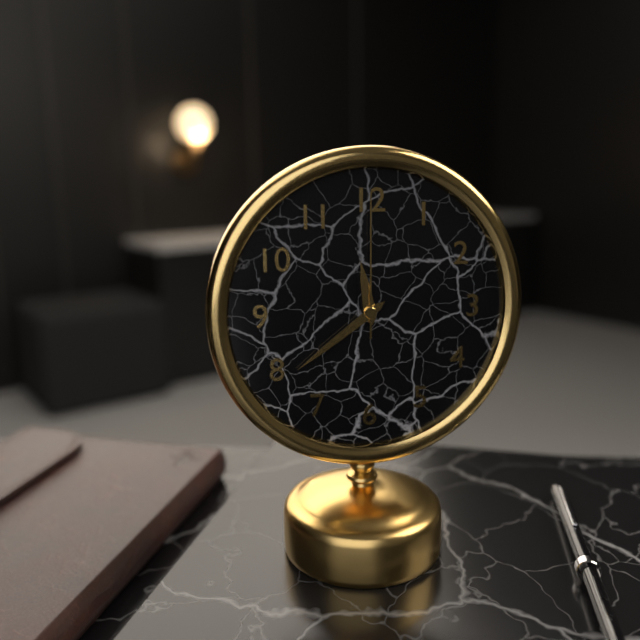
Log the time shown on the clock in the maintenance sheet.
11:39:00
